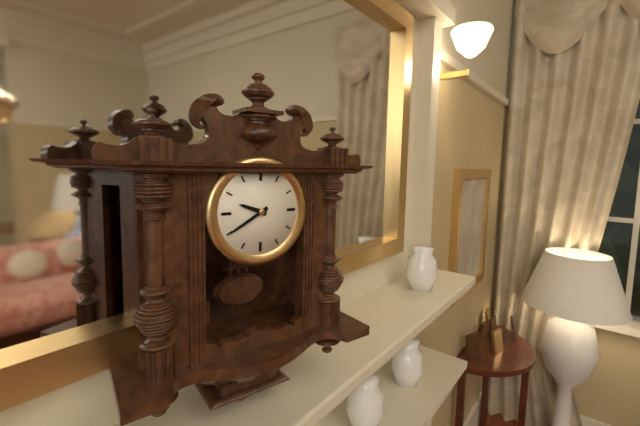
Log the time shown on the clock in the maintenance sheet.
9:40
